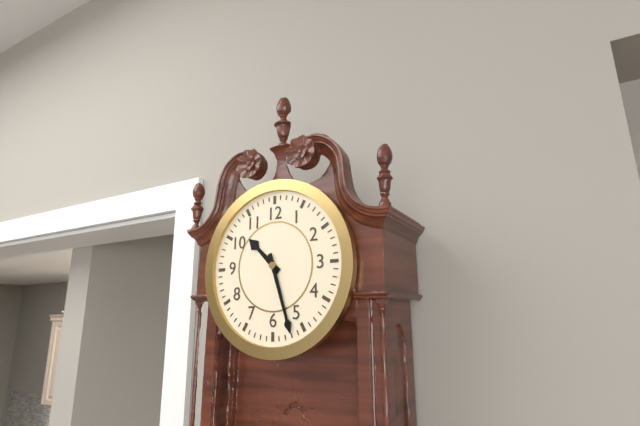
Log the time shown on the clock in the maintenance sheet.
10:27
